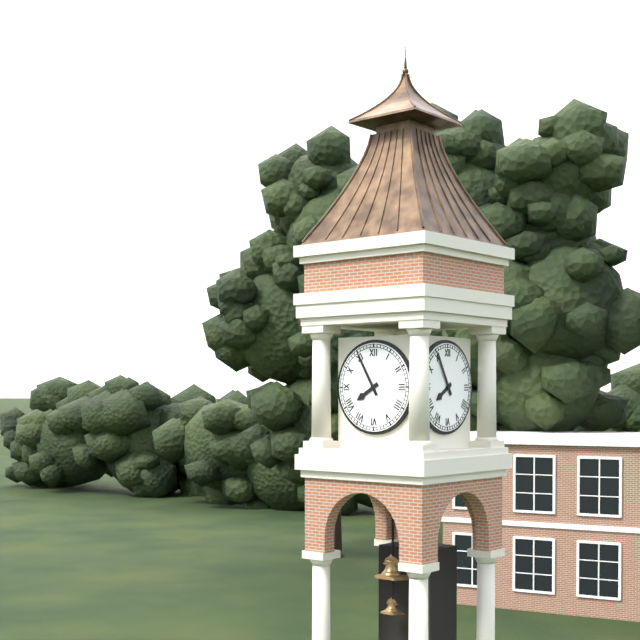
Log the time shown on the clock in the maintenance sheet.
7:55
